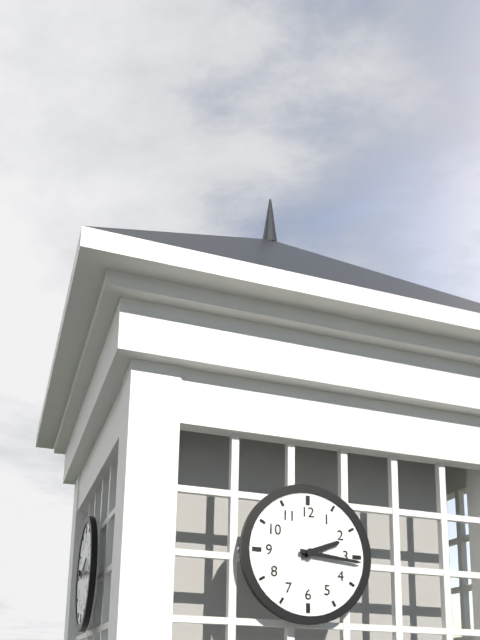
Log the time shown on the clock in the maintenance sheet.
2:16
